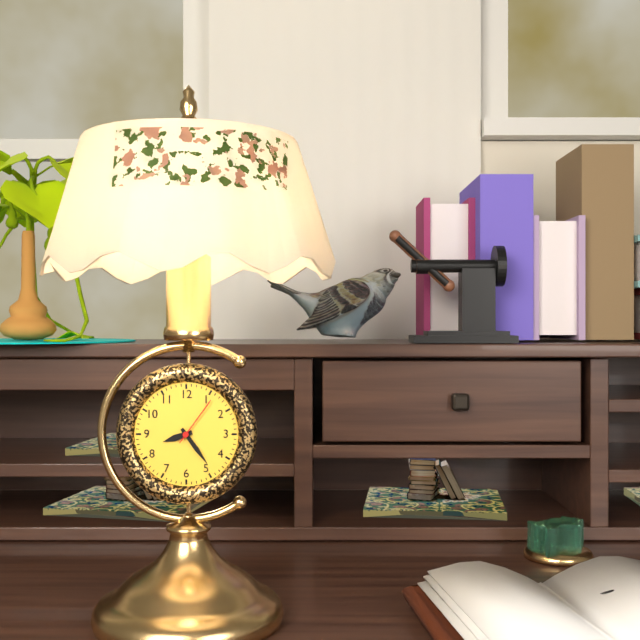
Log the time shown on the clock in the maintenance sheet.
8:24:06
